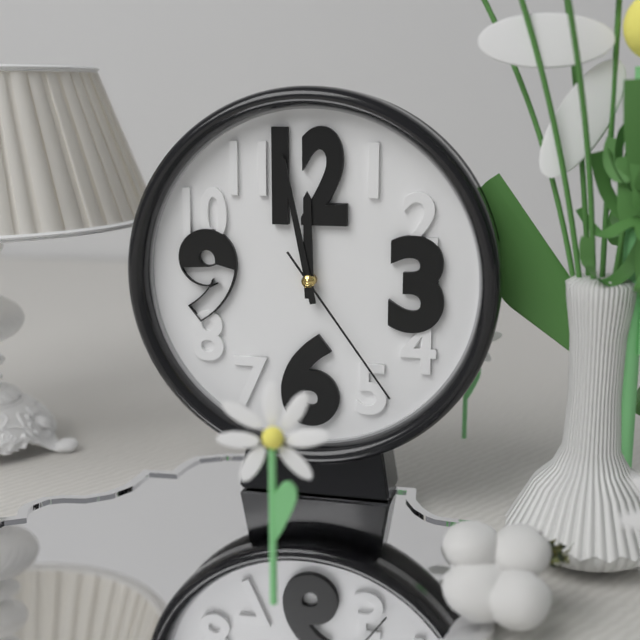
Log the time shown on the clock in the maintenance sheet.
11:58:24
